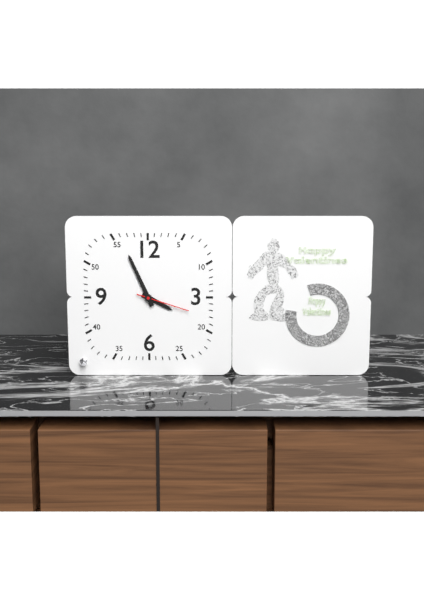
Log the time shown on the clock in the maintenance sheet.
3:56:18
